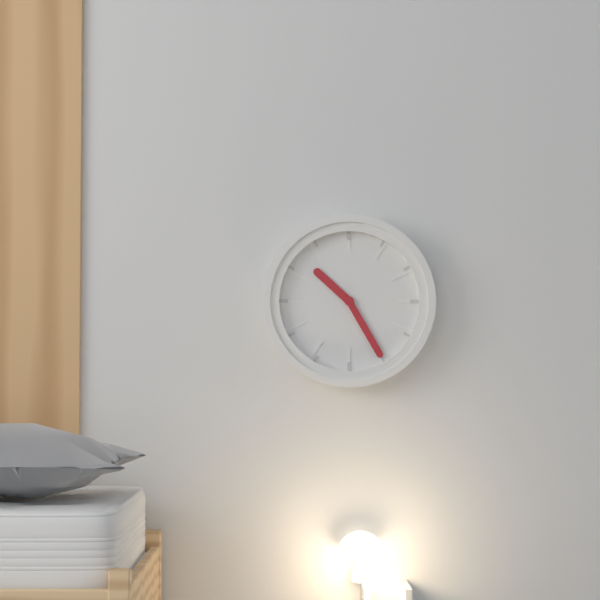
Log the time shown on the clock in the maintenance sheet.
10:25
